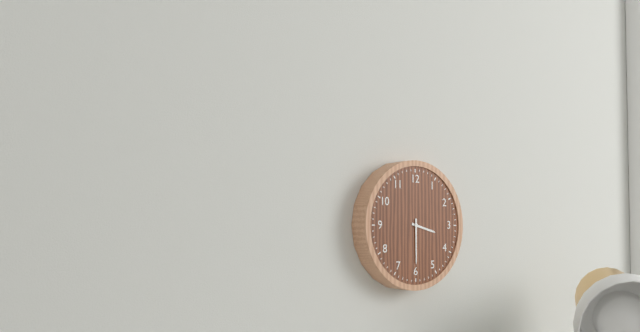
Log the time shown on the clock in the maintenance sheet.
3:30
